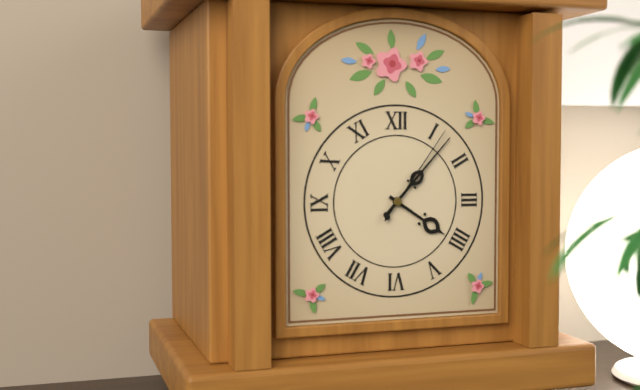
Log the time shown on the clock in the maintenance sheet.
4:07:06
